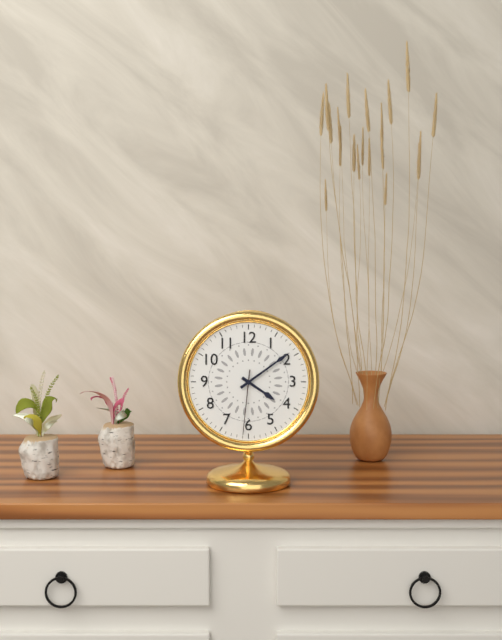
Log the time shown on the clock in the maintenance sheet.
4:09:31
